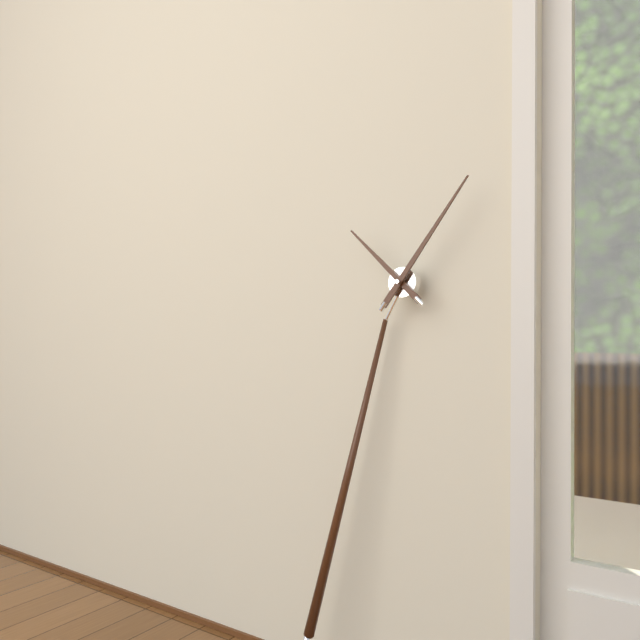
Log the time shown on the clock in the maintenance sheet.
10:04
